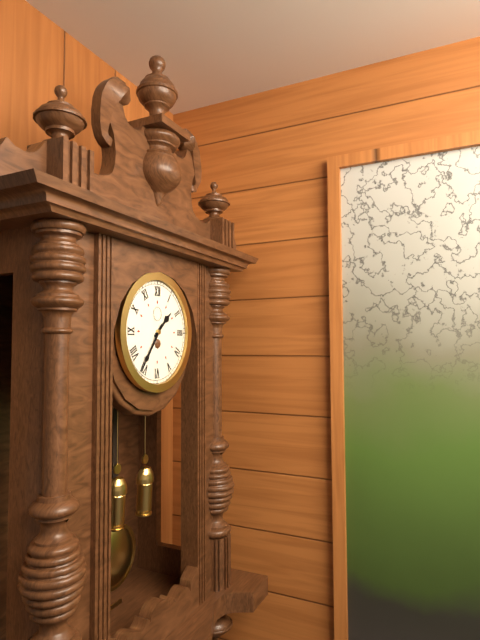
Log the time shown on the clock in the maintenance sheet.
1:36
